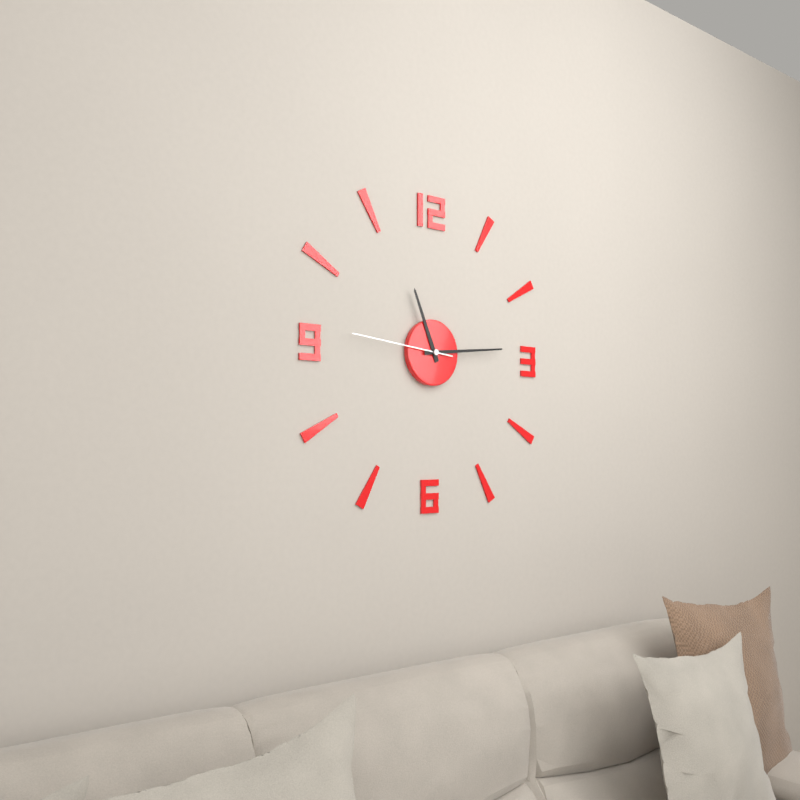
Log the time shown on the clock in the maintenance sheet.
11:14:46
